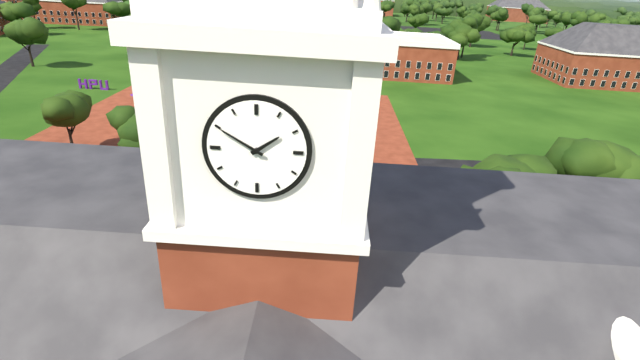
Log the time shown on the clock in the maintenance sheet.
1:50
